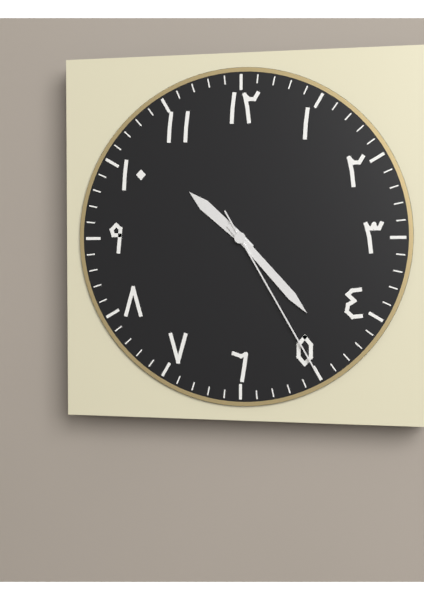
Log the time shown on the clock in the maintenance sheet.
10:23:25
